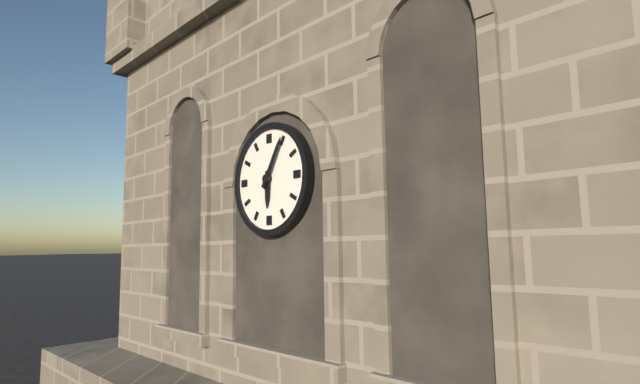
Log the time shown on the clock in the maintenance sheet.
6:05
